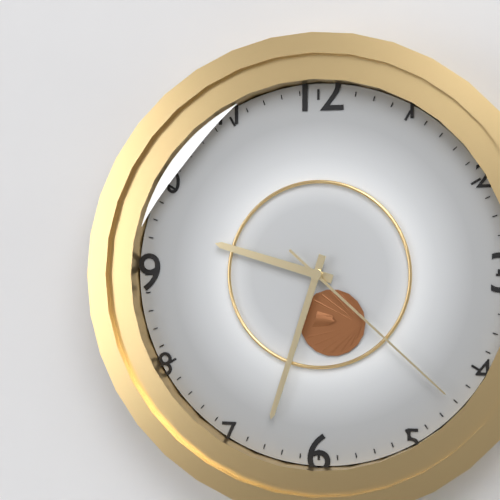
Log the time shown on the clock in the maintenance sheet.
9:33:22
